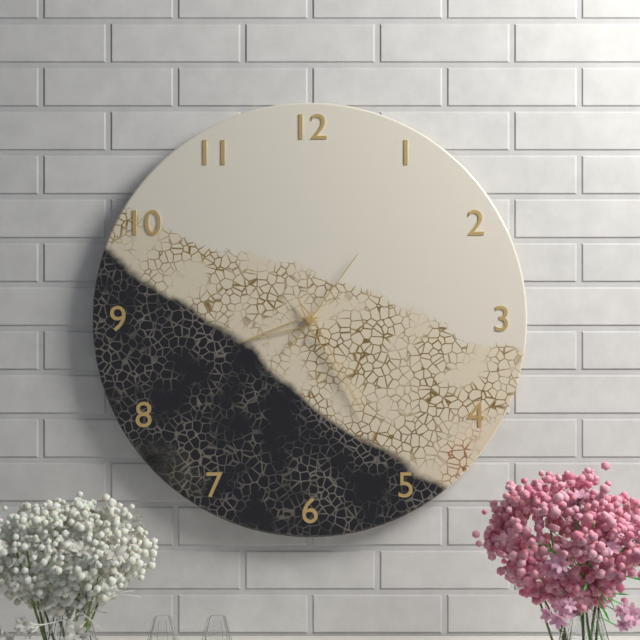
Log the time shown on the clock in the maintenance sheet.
8:25:06
